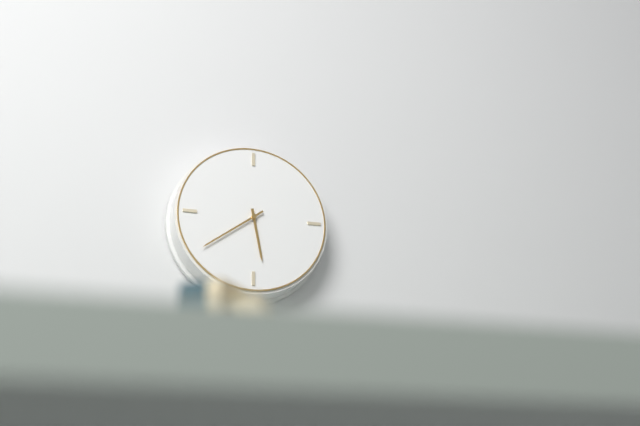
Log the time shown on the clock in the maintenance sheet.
5:39
